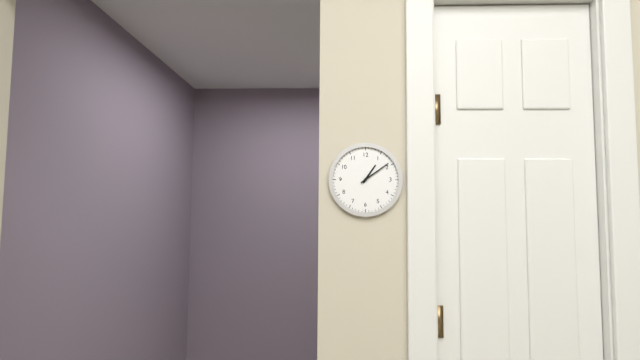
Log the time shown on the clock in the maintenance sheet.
1:09
